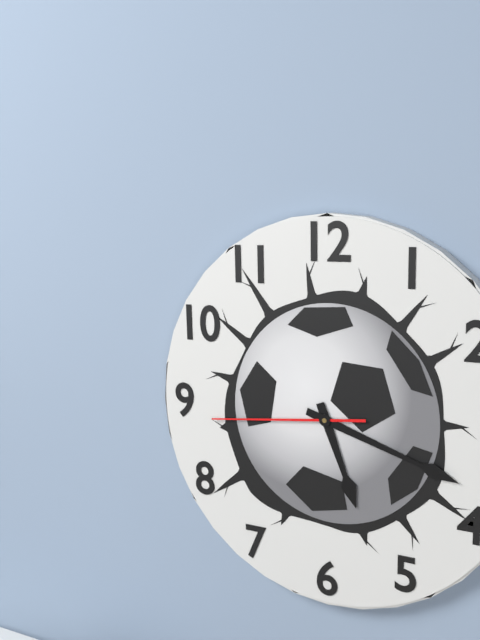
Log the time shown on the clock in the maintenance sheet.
5:18:44
